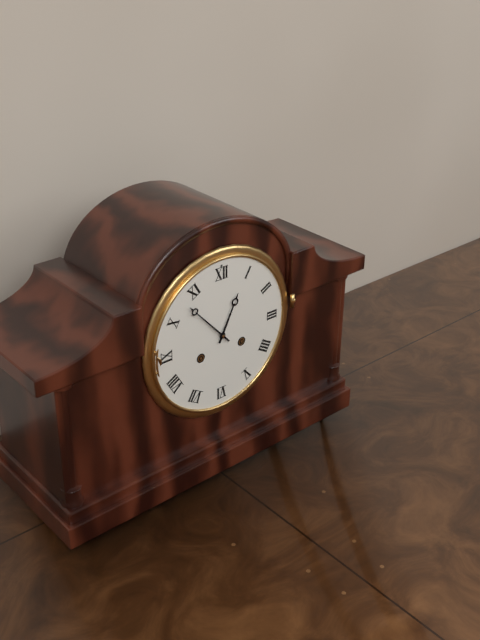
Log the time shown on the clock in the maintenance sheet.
12:53
